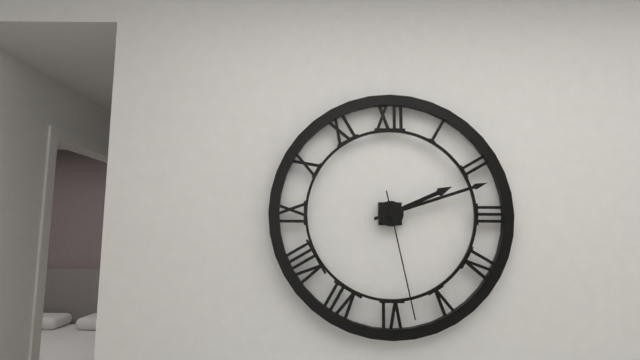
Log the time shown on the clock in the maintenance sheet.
2:12:28
